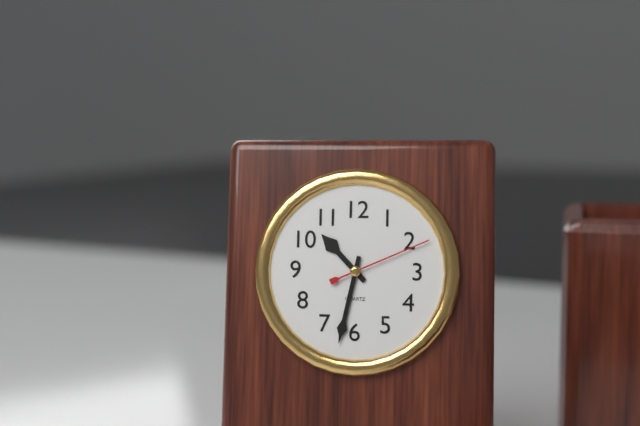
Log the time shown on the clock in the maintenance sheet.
10:32:11
